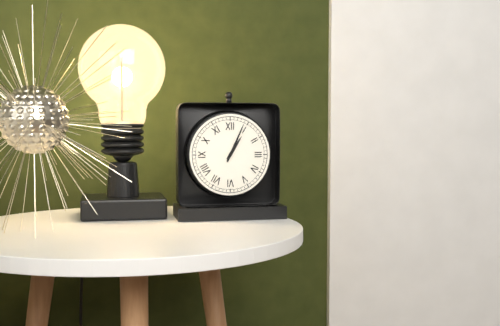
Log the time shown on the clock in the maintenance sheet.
1:04
